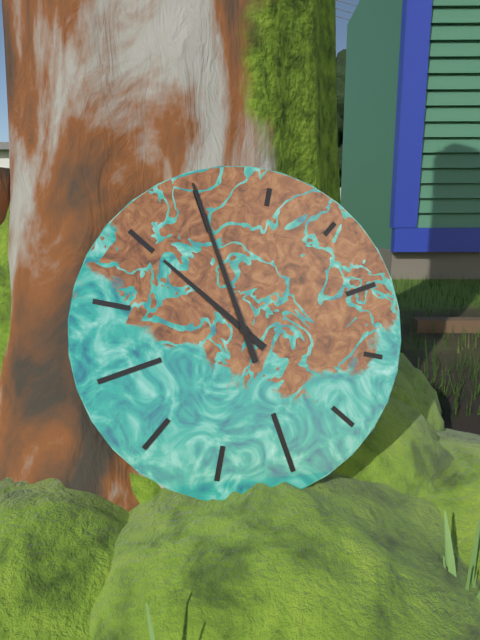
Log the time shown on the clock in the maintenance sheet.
11:00
